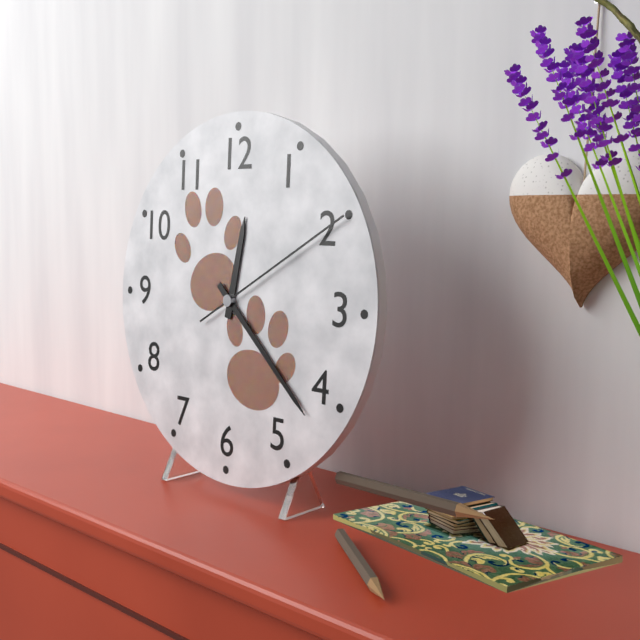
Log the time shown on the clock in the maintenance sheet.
12:22:10
